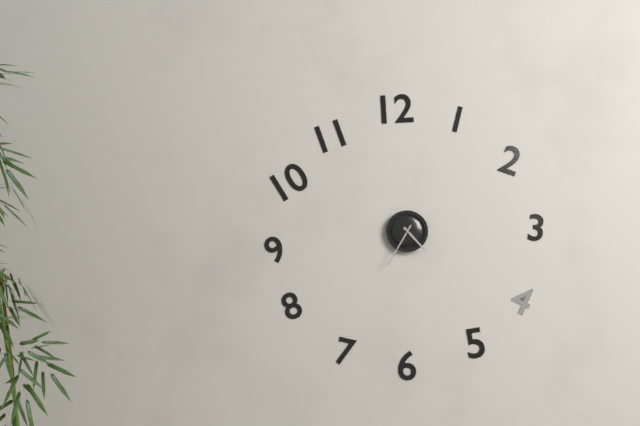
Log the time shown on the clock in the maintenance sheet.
4:35
